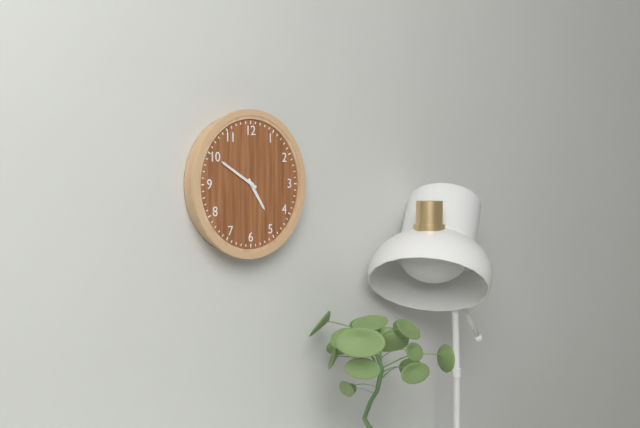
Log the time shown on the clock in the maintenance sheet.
4:50
